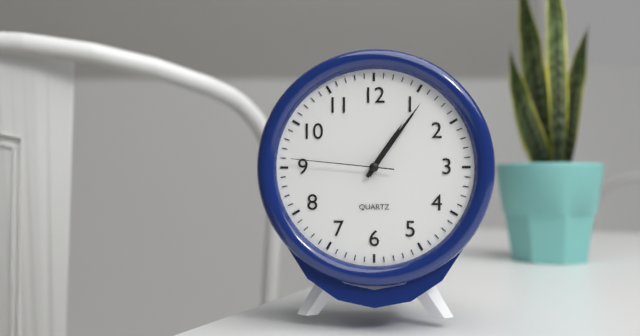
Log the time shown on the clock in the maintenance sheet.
1:06:46
